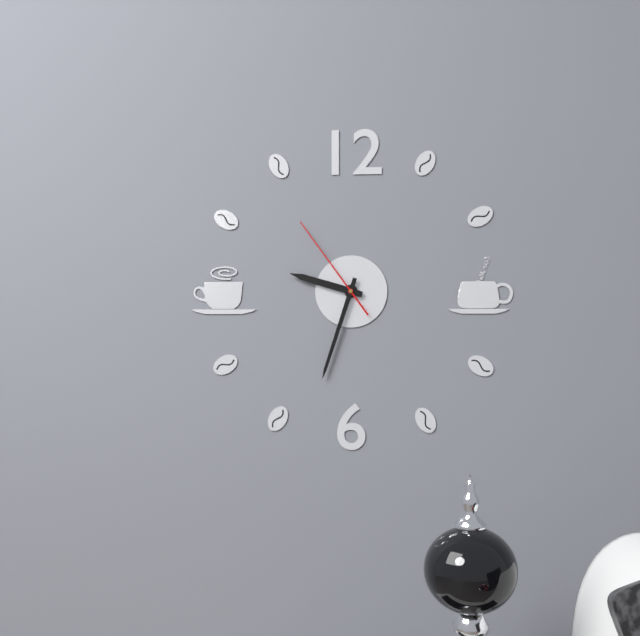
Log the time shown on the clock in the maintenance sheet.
9:33:54
